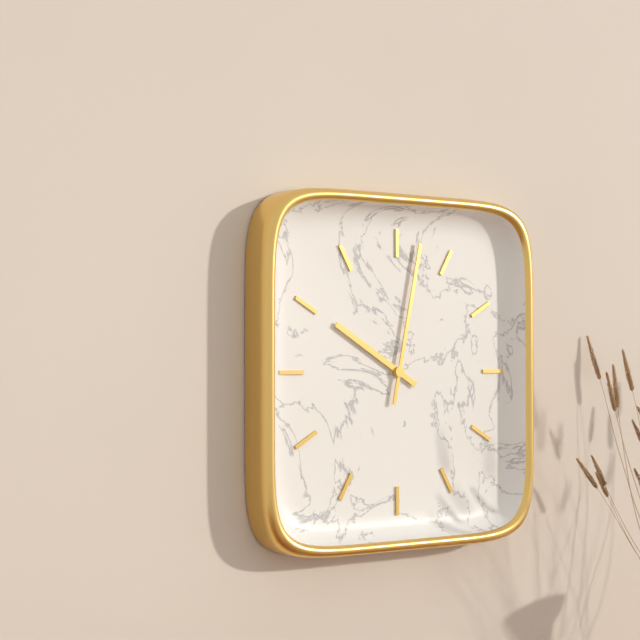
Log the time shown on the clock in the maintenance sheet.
10:02
